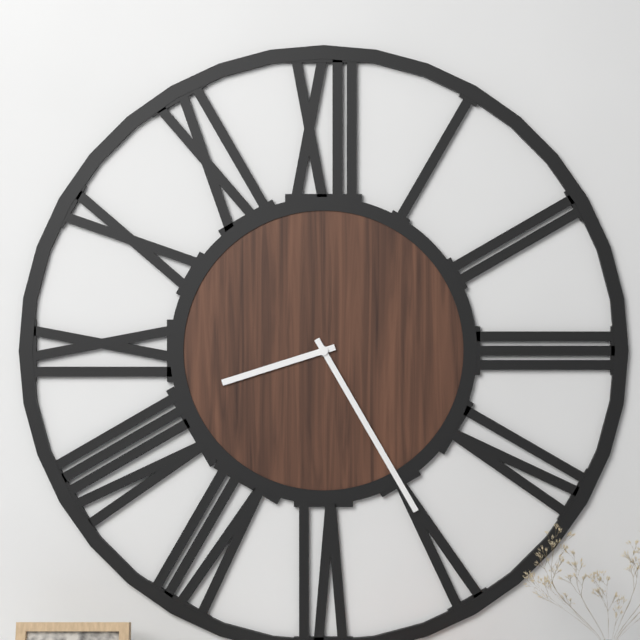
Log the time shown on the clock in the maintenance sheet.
8:25
